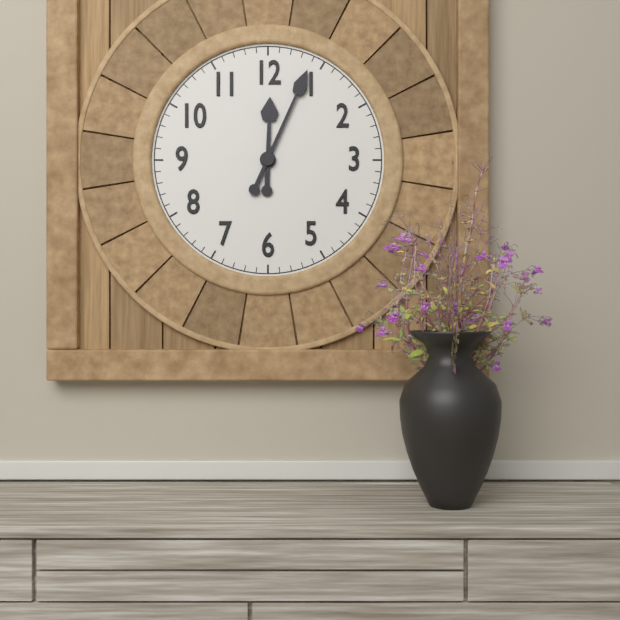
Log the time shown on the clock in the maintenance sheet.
12:04
